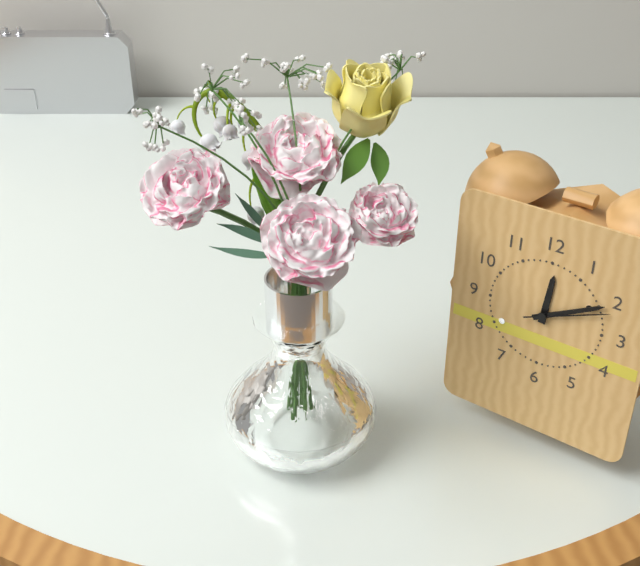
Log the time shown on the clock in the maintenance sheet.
12:10:11
